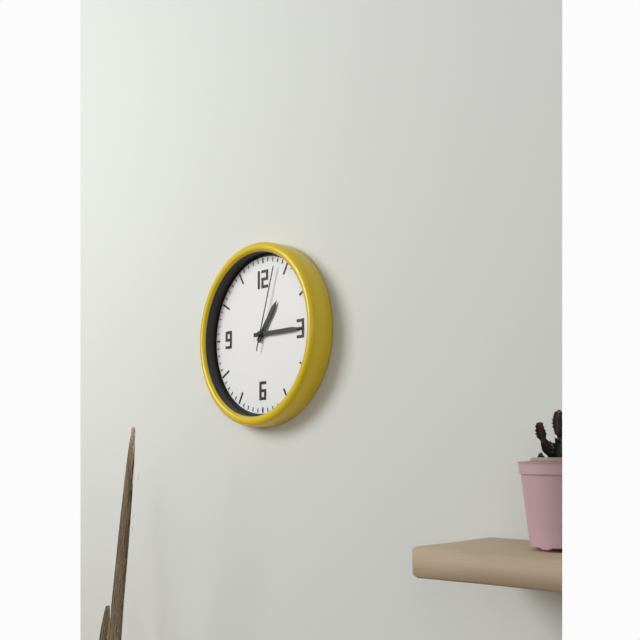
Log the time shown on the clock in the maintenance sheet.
1:15:03
